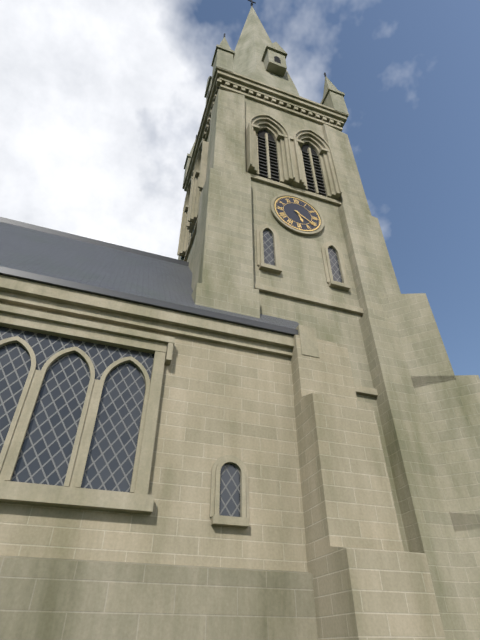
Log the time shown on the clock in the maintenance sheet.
5:21
